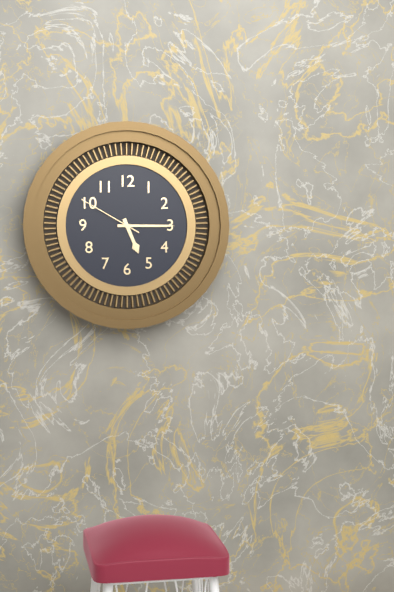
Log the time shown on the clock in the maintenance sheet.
5:15:50
